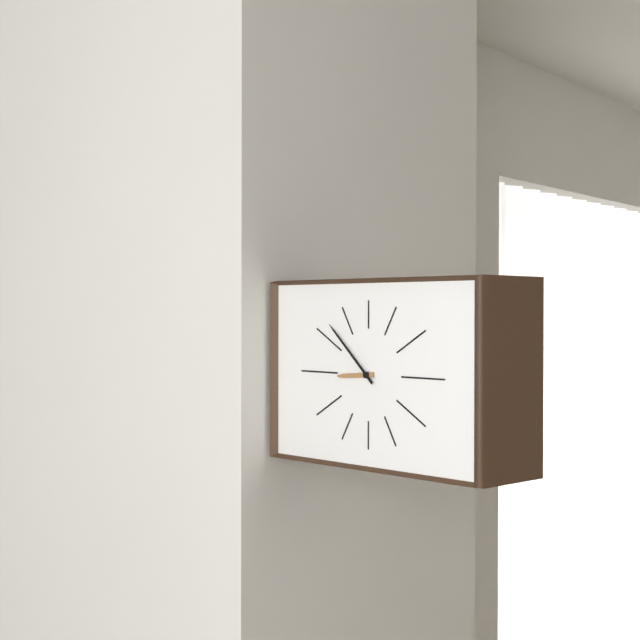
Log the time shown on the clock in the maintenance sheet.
8:52
